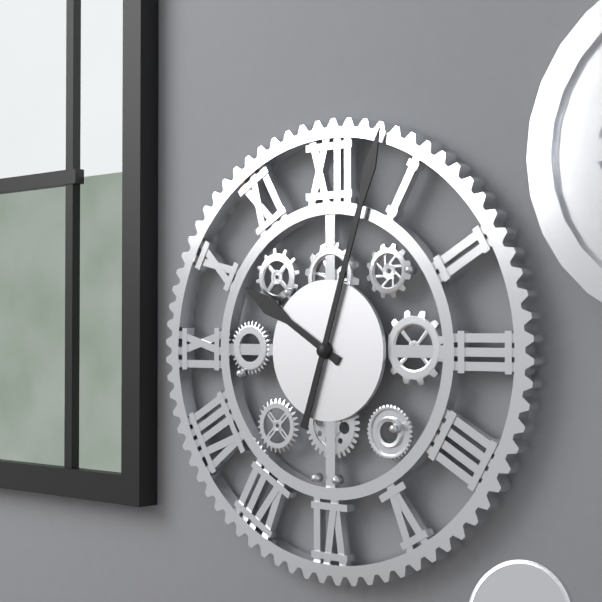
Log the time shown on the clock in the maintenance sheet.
10:03
